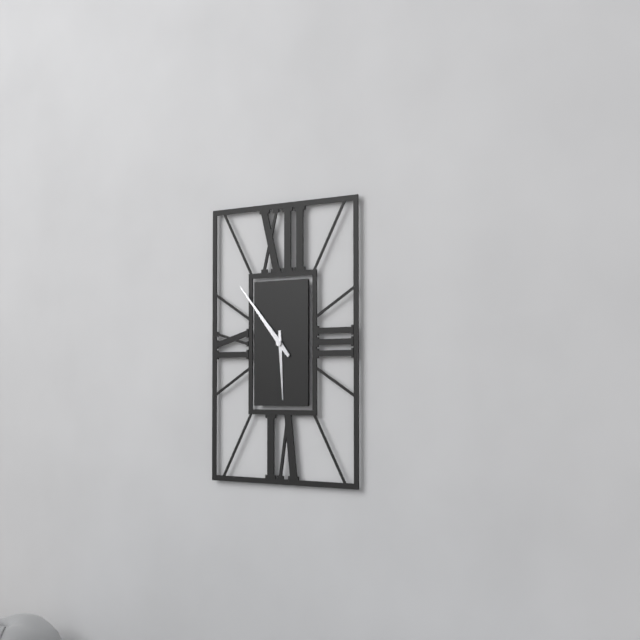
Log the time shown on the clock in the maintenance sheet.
5:53
